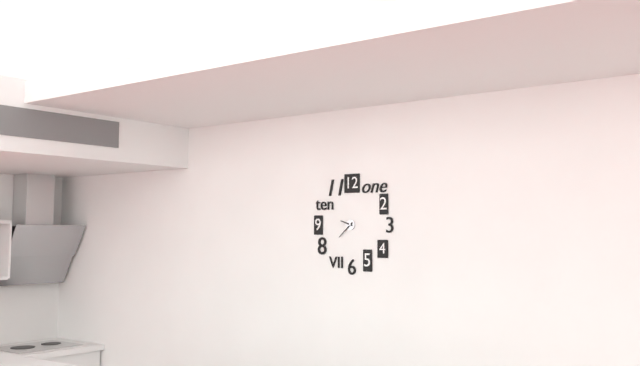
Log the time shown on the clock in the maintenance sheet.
9:38
